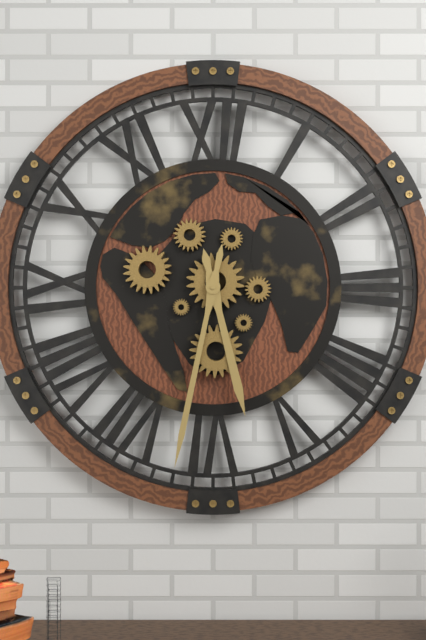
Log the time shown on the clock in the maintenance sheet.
5:32
